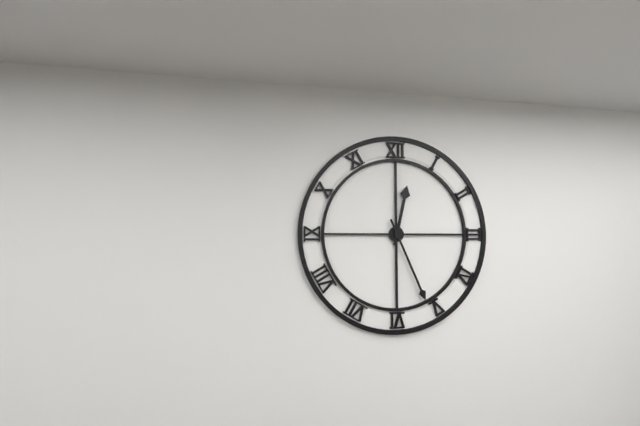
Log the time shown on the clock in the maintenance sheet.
12:26
